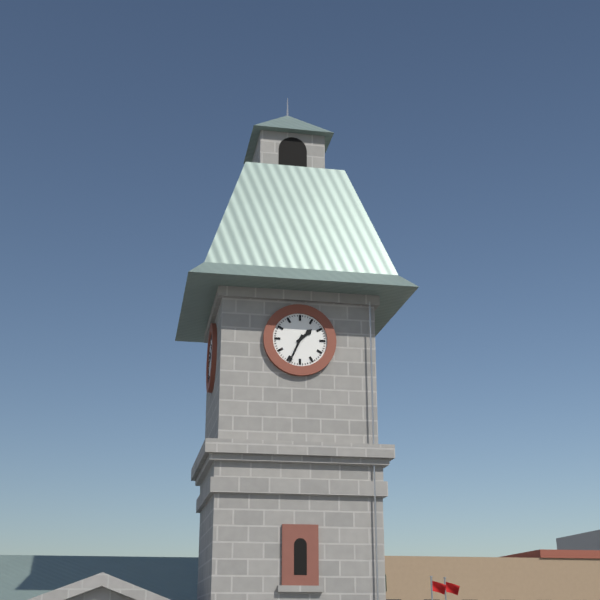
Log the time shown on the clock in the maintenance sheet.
1:34
